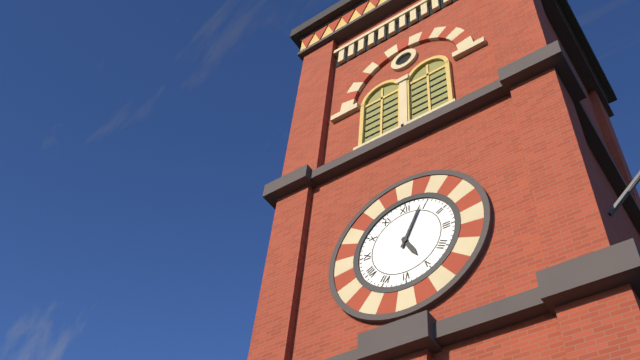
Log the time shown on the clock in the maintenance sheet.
5:04
